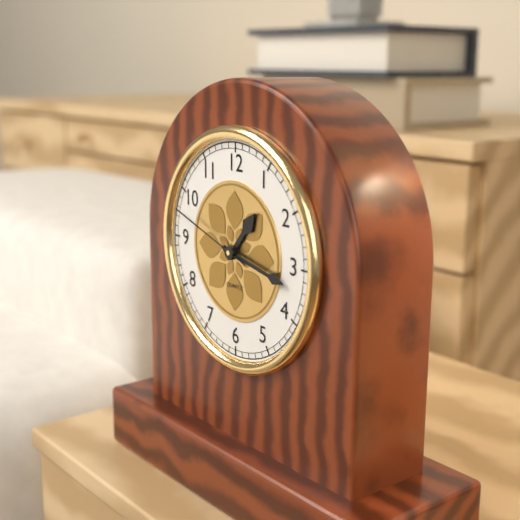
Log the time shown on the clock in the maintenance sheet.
1:17:48
